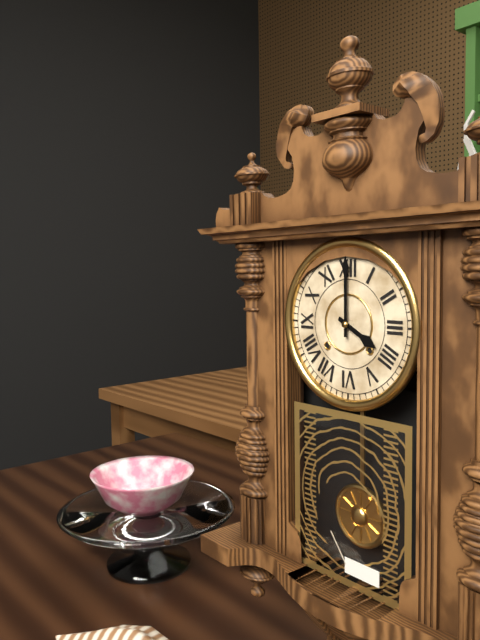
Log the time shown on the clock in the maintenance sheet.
4:00
